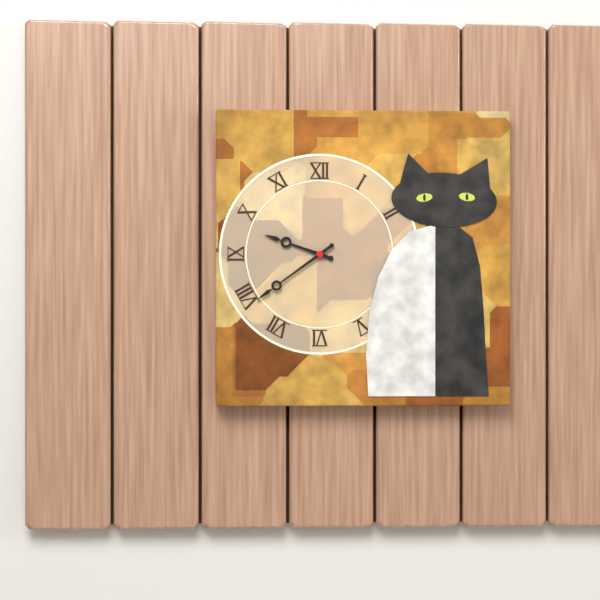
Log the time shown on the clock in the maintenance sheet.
9:39
